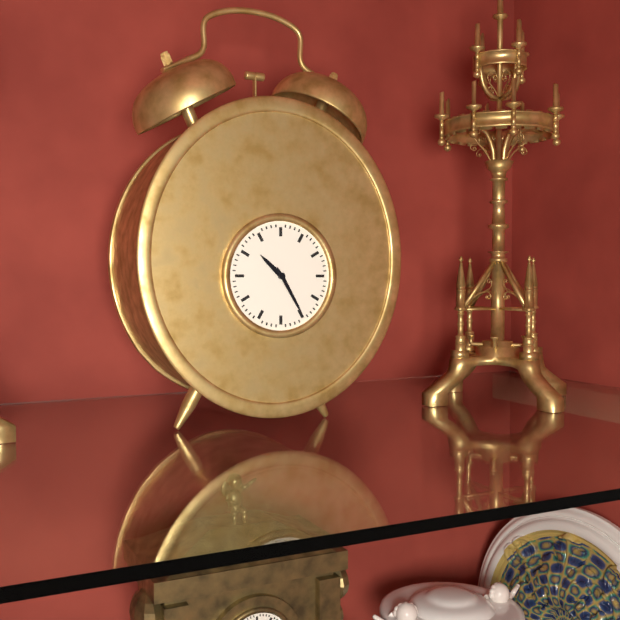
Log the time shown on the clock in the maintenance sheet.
10:25
